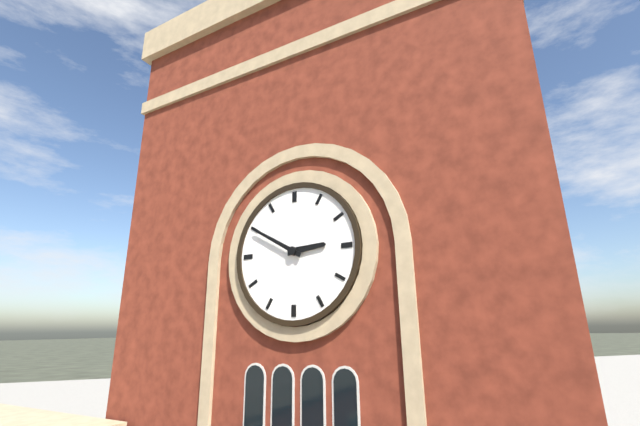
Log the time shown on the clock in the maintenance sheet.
2:50
